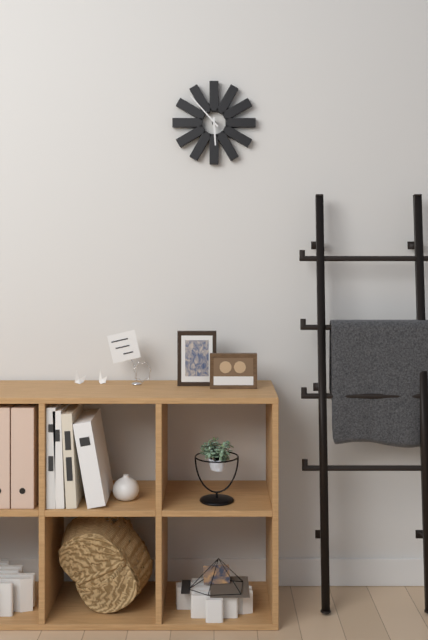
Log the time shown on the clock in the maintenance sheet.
5:53
